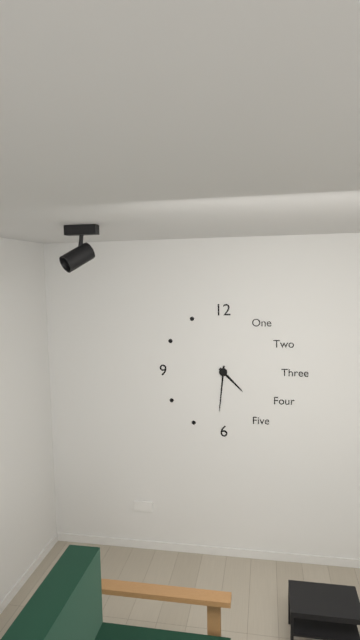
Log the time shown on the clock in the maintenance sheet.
4:31
